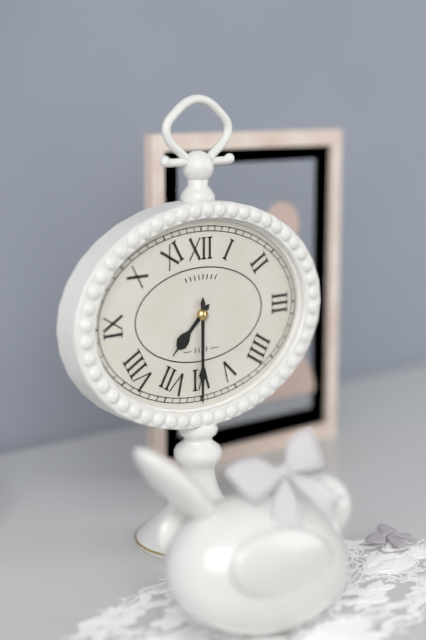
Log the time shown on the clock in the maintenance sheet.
7:30
